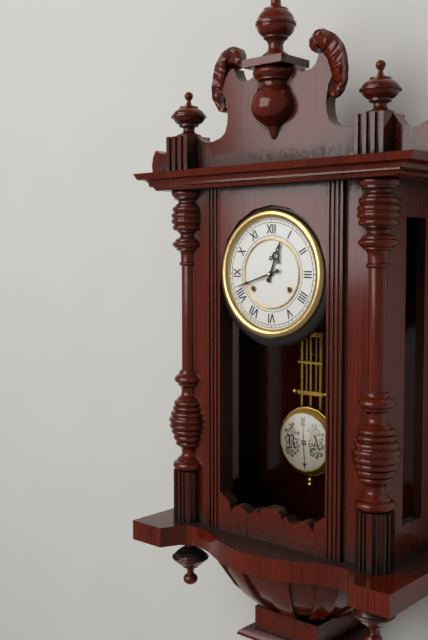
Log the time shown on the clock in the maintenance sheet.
12:42
